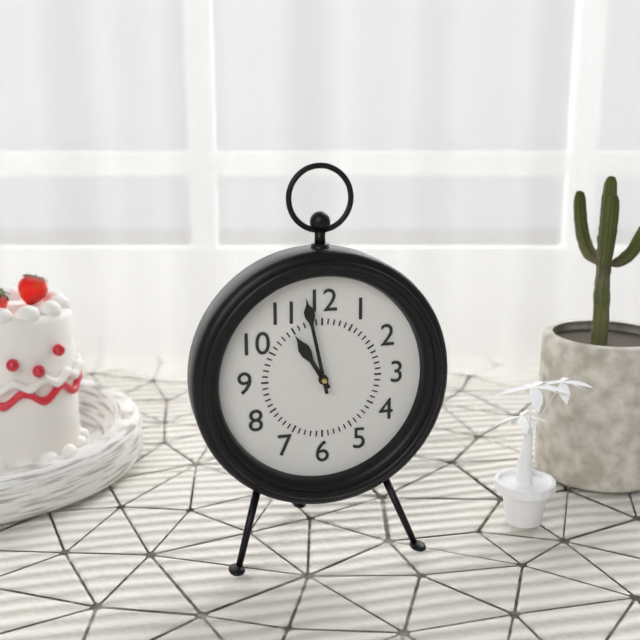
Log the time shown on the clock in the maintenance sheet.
10:58
